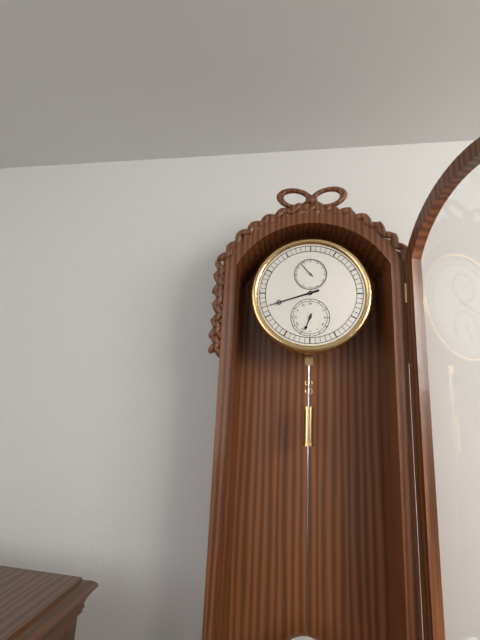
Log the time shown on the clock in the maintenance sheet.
6:42
